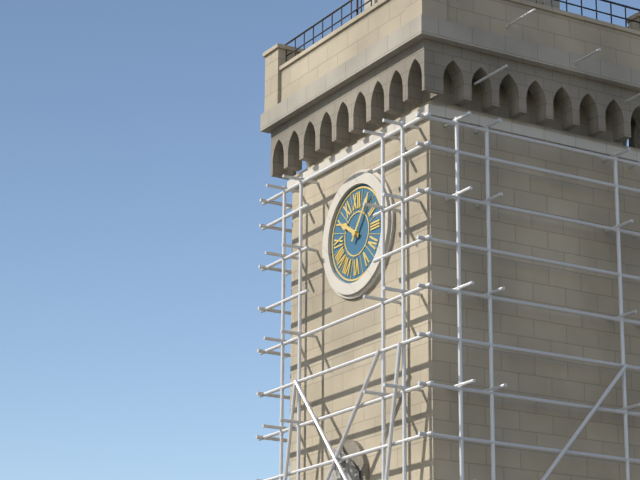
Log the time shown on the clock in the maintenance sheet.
10:06
